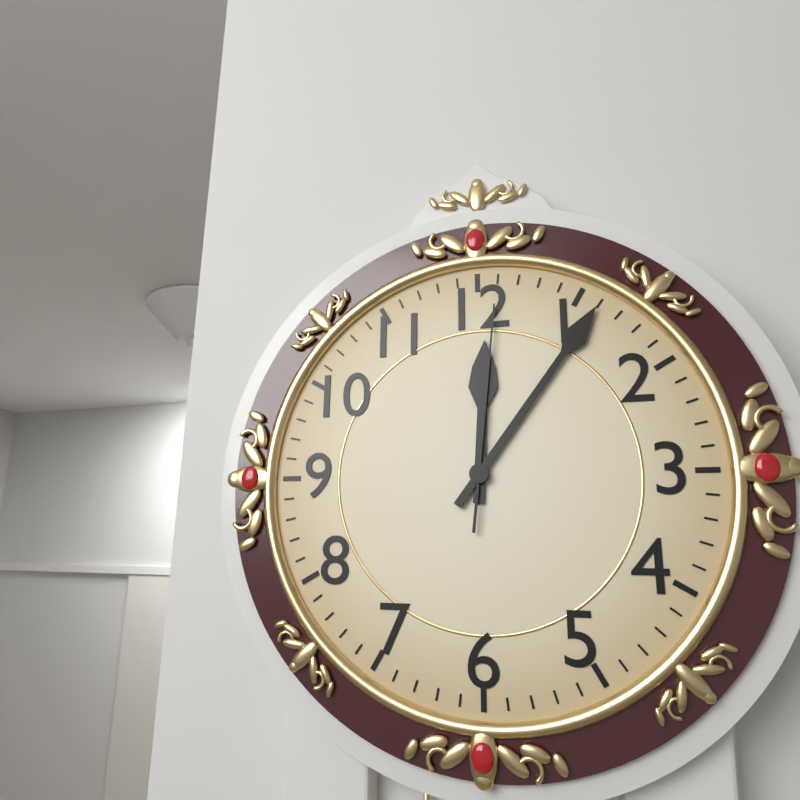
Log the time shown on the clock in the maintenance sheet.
12:06:01
